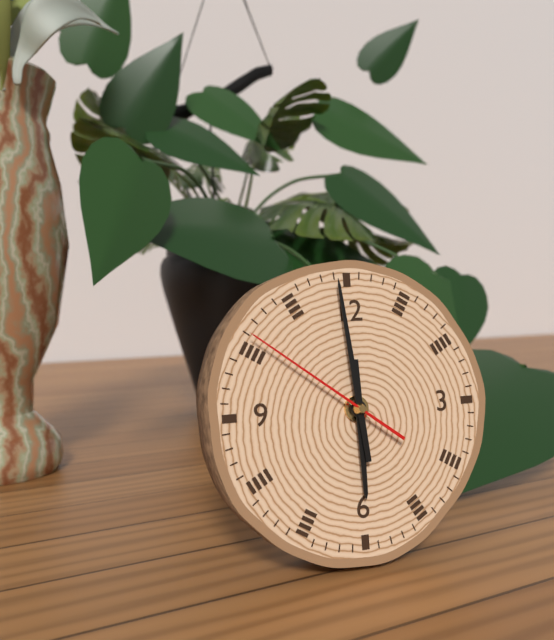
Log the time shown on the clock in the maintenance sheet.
5:59:51
